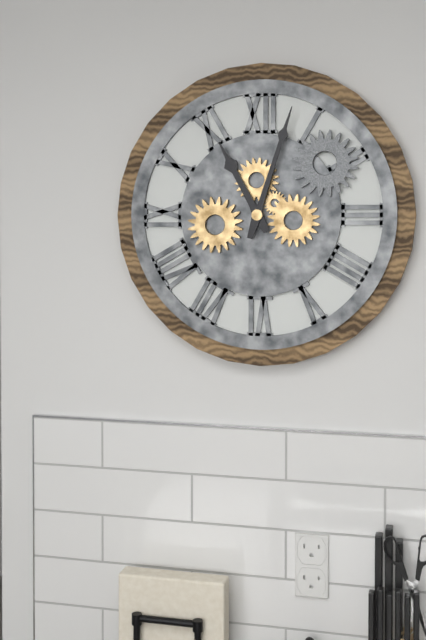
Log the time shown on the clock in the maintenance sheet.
11:03
